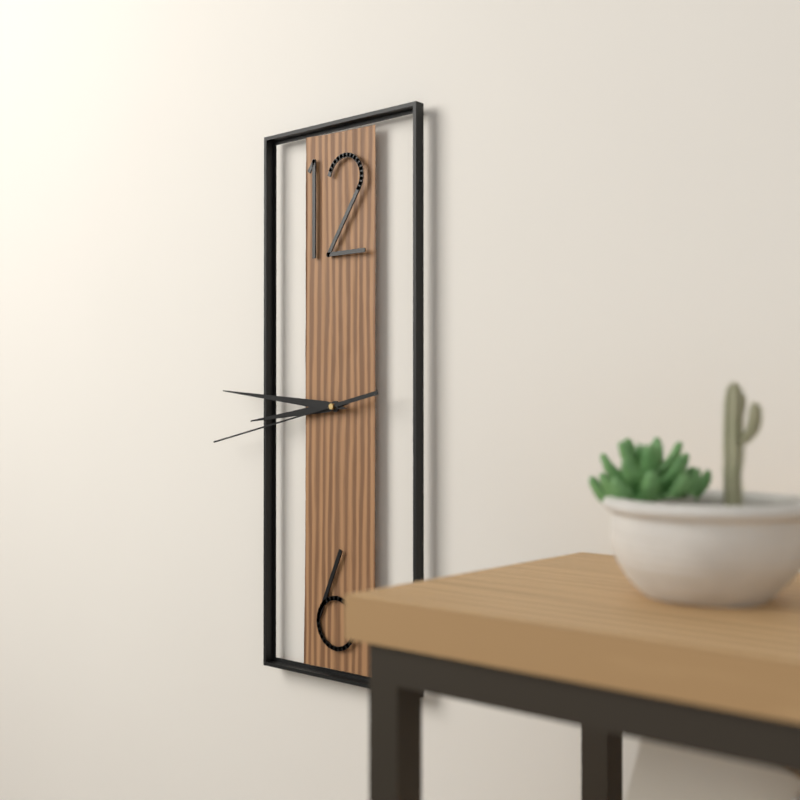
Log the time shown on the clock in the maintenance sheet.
8:46:43
